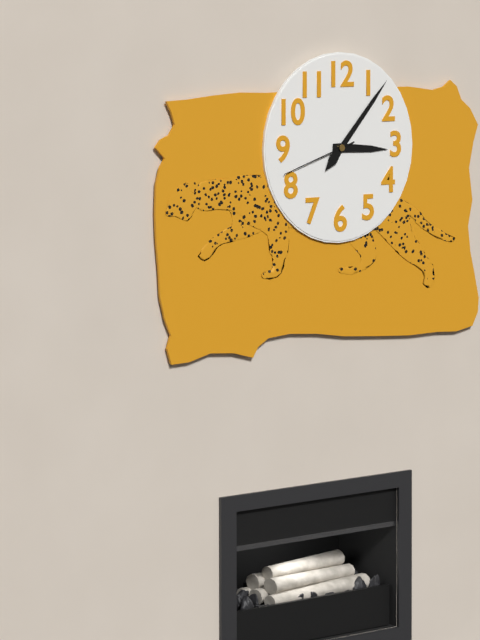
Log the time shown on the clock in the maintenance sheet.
3:07:42
